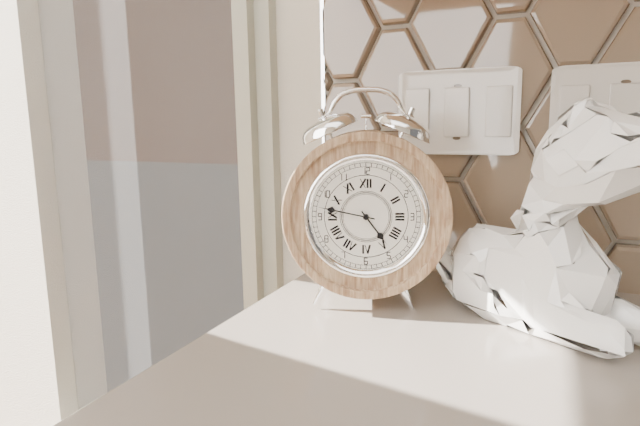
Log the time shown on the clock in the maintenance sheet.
4:47
